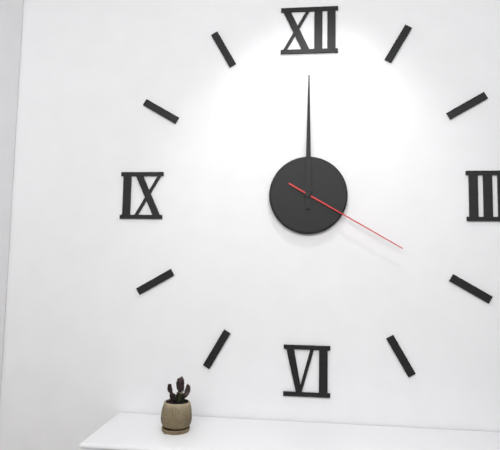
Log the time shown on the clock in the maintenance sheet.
12:00:20
